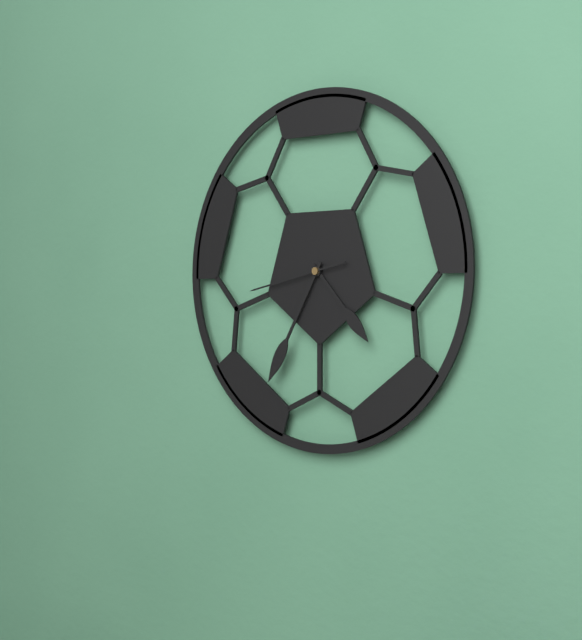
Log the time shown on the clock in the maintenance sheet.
4:35:43
